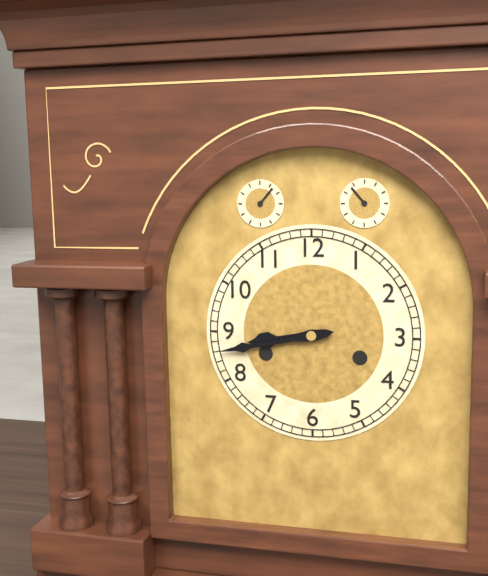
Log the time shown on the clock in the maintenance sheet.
8:43
